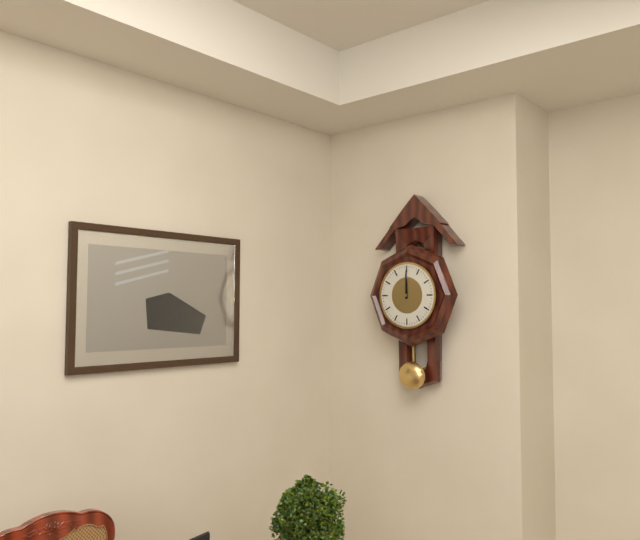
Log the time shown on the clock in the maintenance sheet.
12:00
